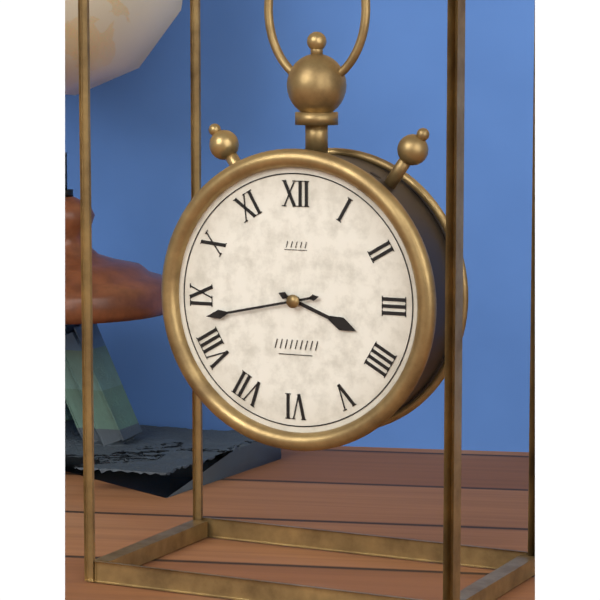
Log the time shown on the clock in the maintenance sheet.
3:43
